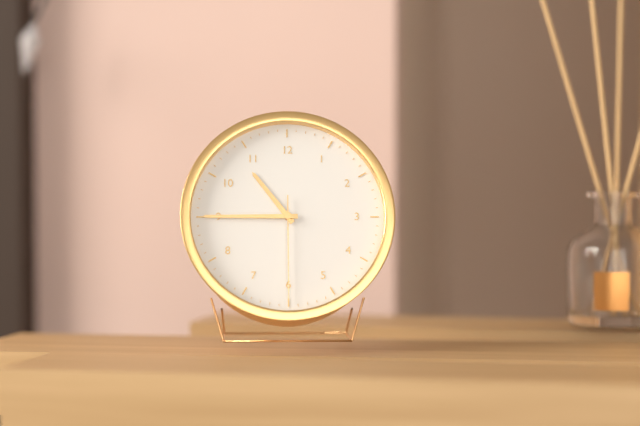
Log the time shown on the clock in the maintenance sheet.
10:45:30
